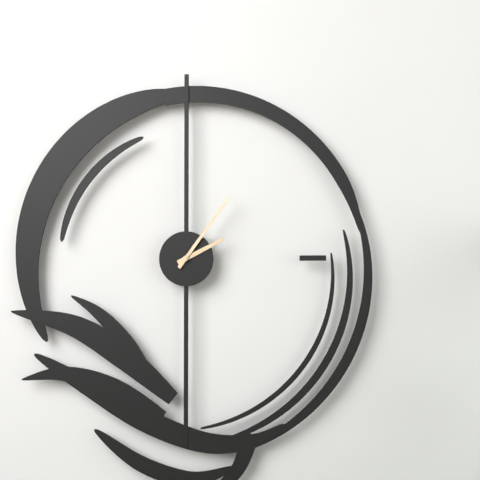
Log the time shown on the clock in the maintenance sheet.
2:06
